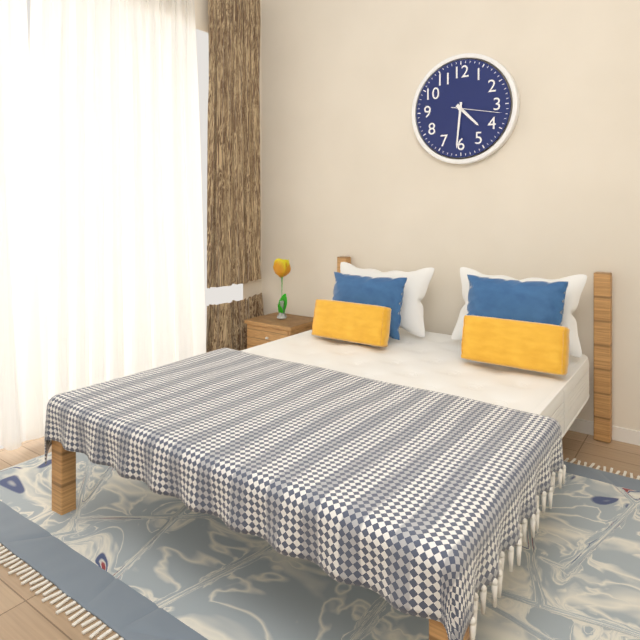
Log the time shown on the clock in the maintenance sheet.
4:31:17
